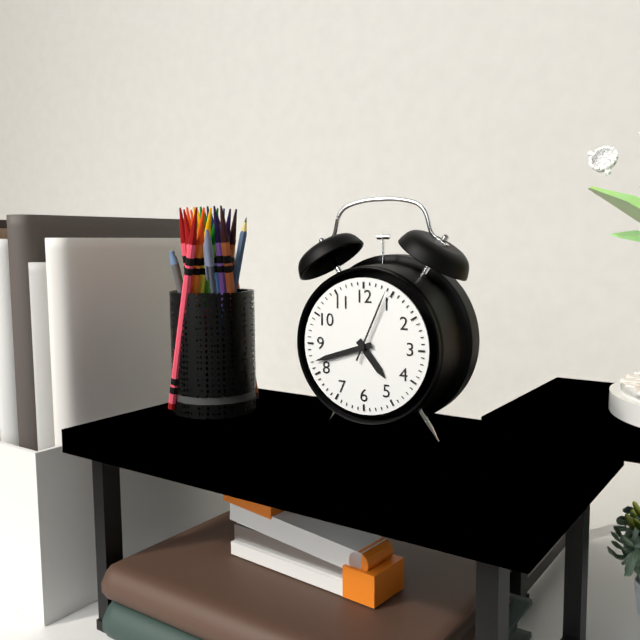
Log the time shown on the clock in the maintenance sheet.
4:42:04
